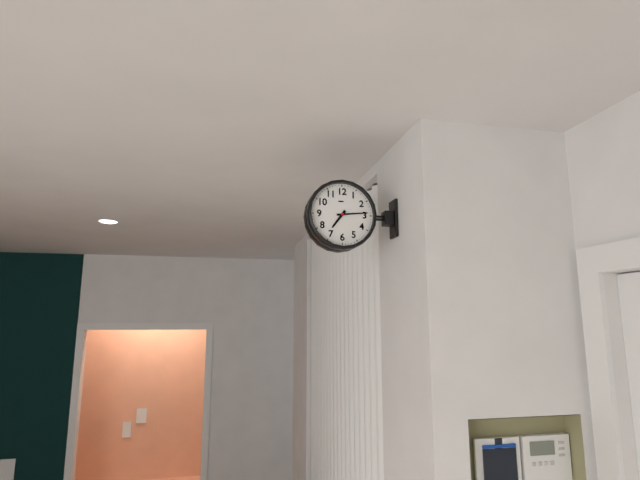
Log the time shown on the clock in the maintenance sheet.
7:14
